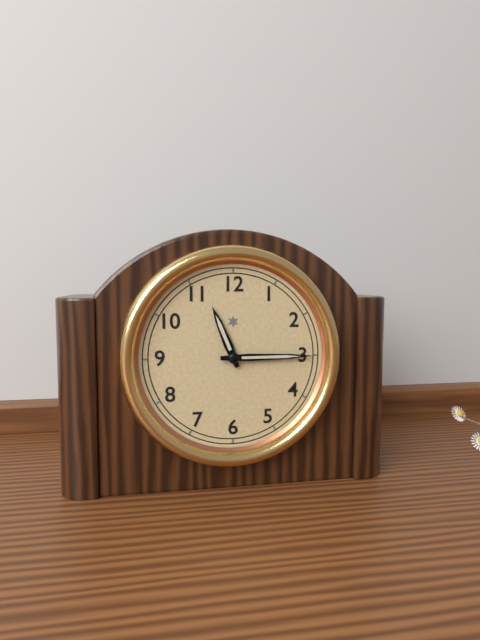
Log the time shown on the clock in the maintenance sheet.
11:15
